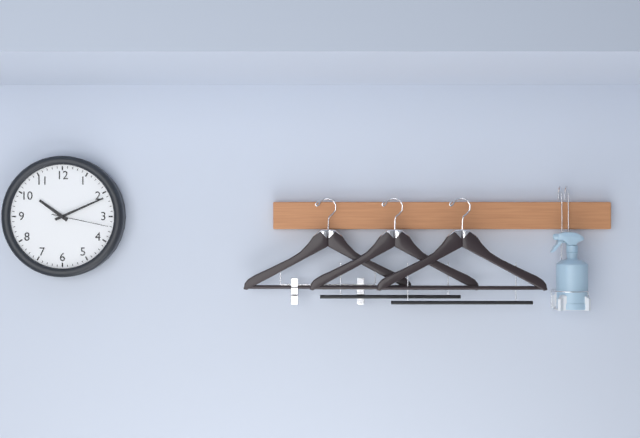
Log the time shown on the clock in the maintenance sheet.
10:11:17
